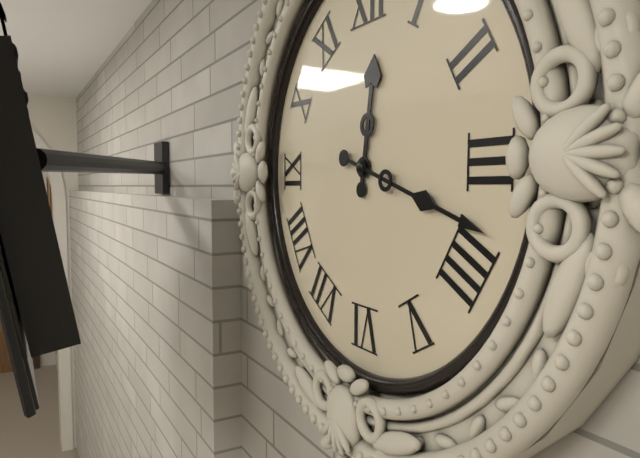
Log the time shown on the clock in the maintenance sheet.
12:18
